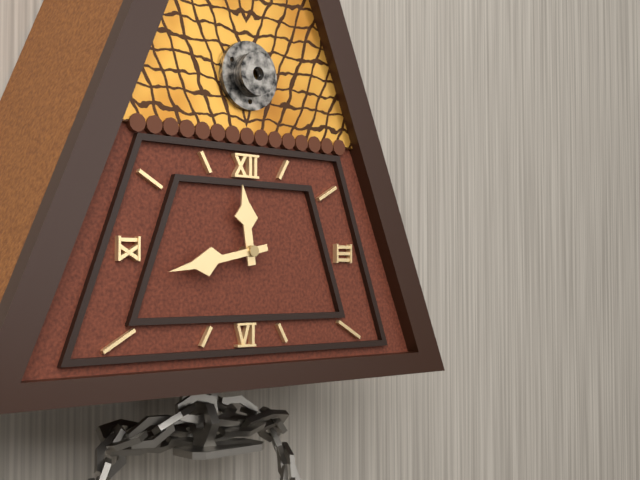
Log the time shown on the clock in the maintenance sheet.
11:43
